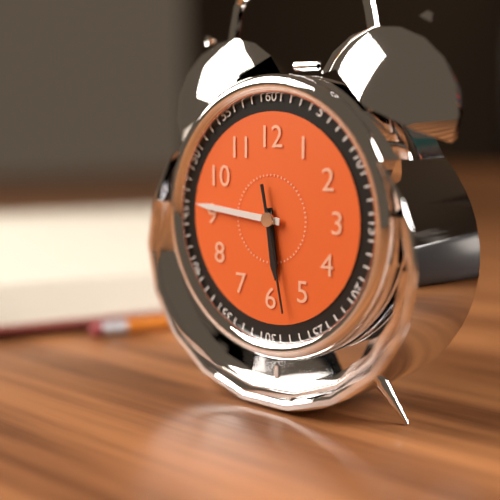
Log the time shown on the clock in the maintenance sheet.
5:46:28
